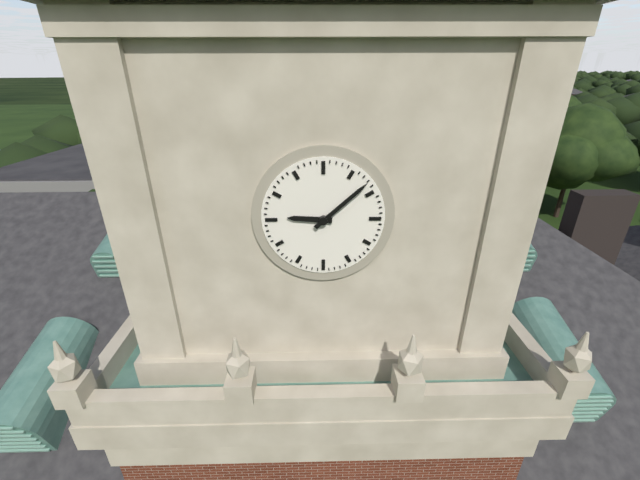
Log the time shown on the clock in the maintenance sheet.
9:08
